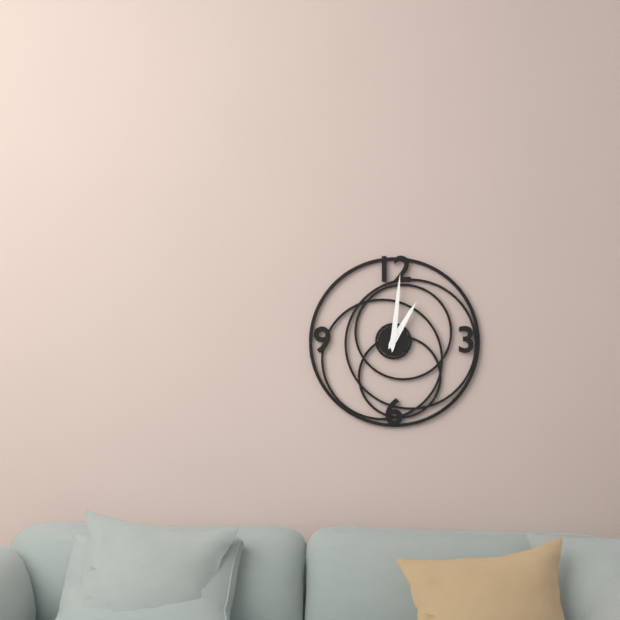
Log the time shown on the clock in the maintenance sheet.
1:01
